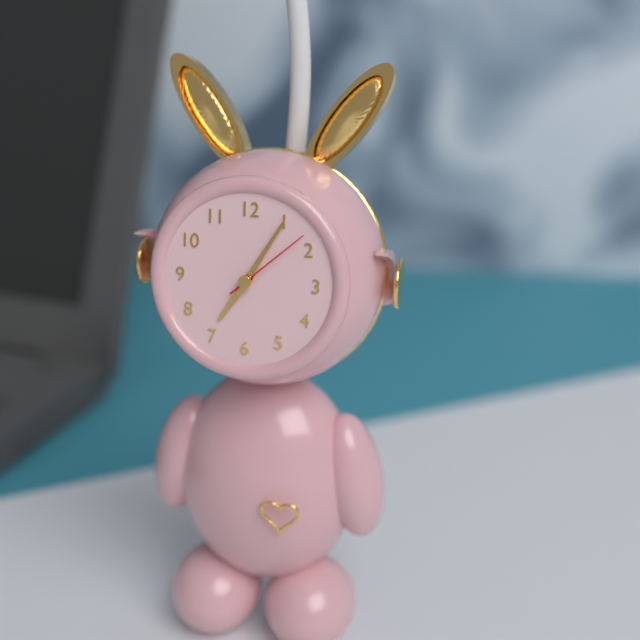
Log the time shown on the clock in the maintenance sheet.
7:05:08
